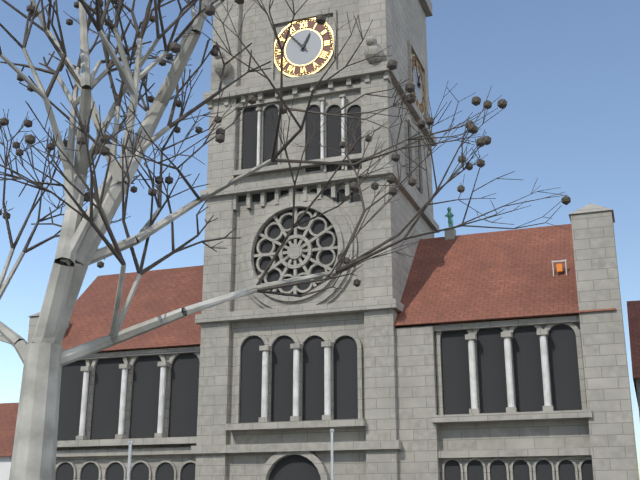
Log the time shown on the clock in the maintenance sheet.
12:53
